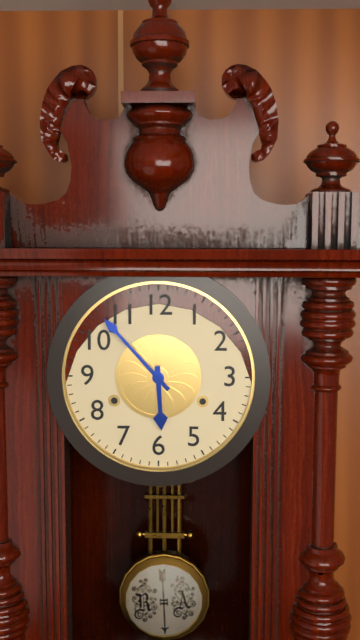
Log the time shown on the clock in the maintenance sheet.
5:53
